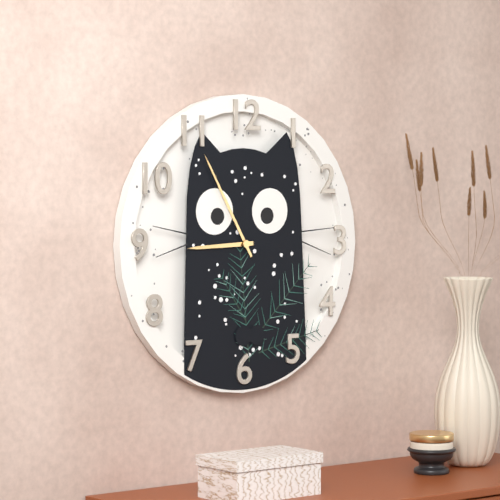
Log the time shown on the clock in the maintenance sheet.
8:55
